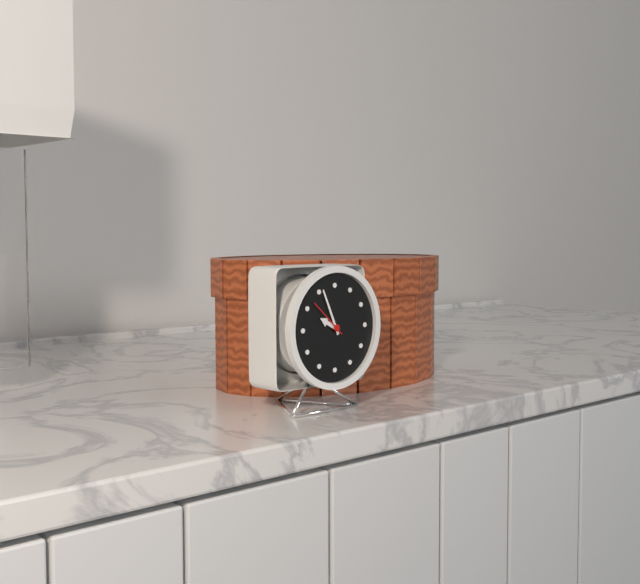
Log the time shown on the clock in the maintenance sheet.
9:56
